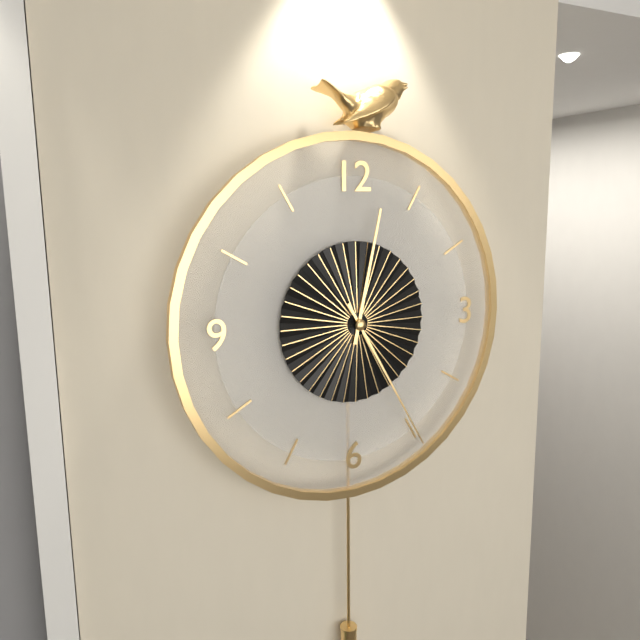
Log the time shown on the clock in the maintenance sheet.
12:25
